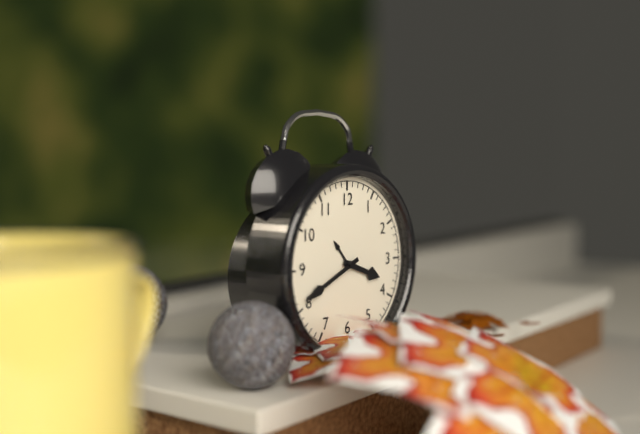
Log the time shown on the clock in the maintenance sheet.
3:41
